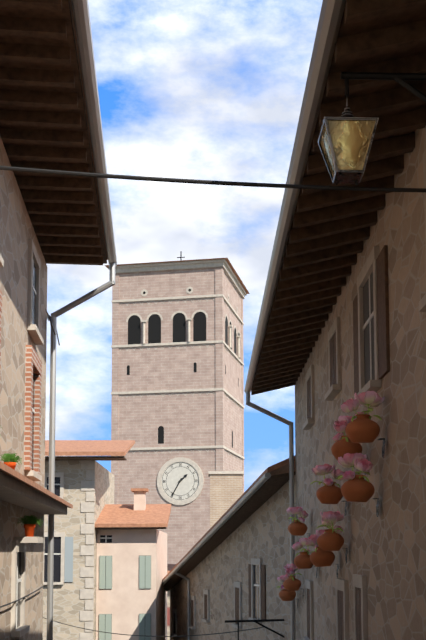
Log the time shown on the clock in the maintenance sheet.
1:35
